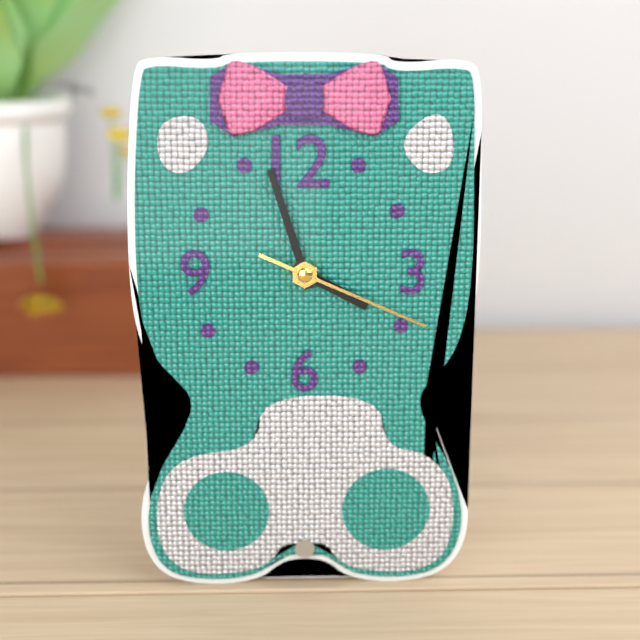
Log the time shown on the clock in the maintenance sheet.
3:57:19
